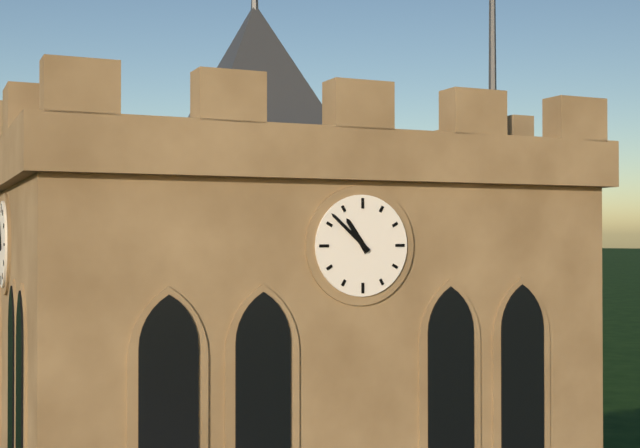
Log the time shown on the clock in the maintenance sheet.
10:52
